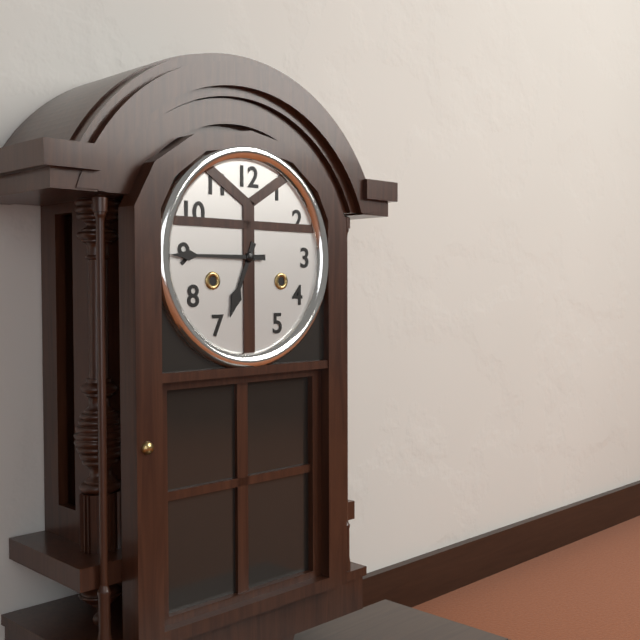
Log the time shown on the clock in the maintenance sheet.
6:45
